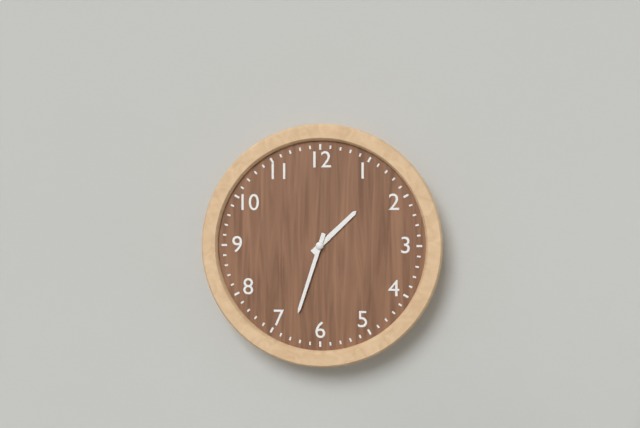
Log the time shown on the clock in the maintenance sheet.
1:33
